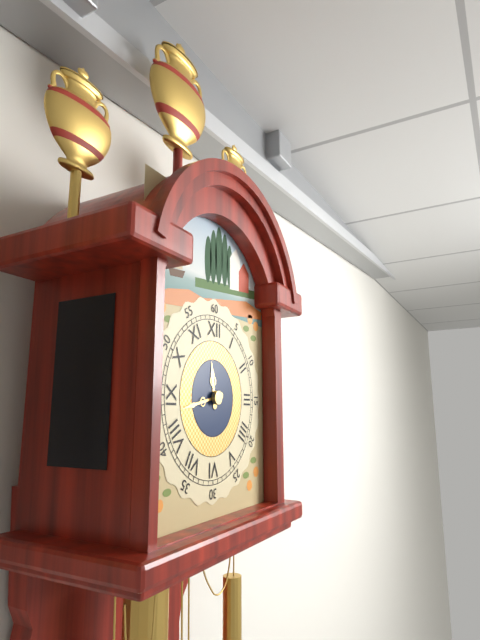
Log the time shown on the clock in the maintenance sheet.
11:43
